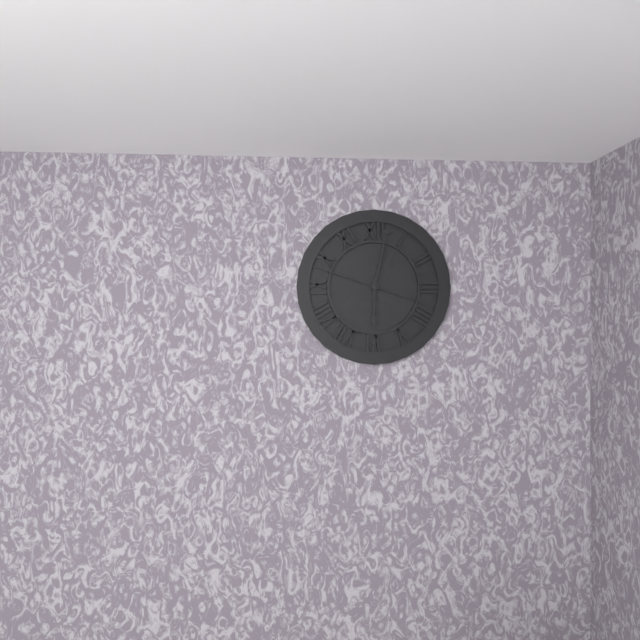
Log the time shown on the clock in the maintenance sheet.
6:02:48
